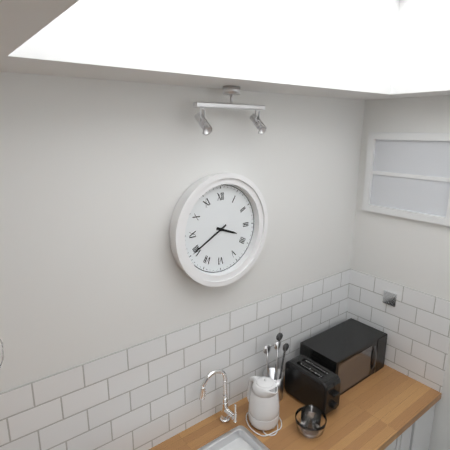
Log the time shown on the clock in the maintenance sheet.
3:40
